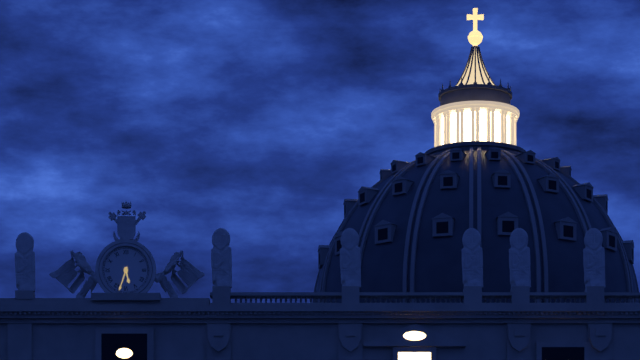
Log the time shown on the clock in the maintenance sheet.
5:33
